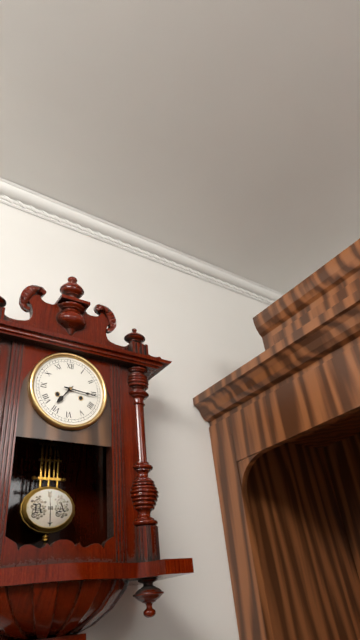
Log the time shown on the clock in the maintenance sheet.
7:16
